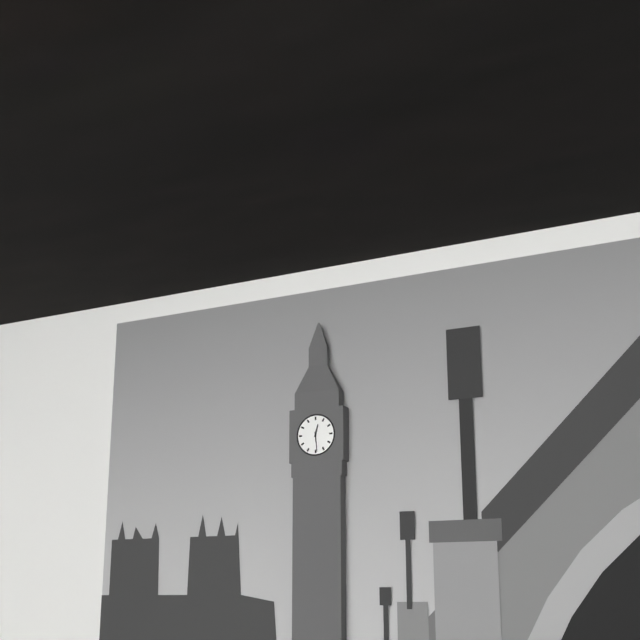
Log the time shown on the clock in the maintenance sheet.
12:29
